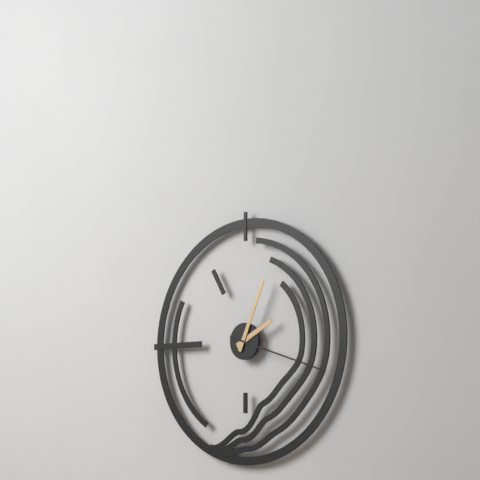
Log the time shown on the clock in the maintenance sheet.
2:04:18
